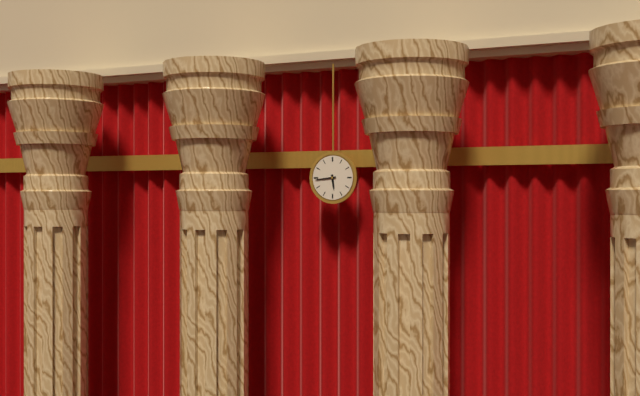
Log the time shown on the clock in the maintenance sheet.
5:44
